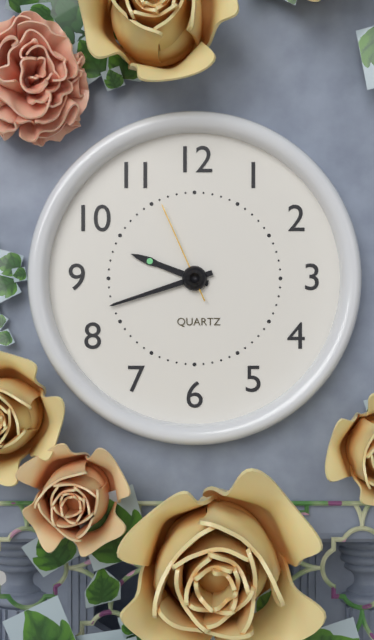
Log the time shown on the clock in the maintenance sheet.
9:42:56
